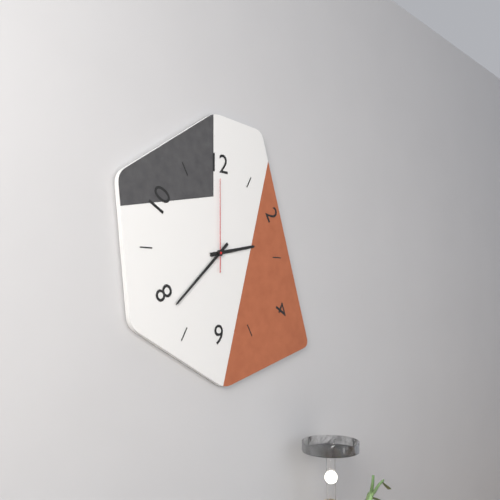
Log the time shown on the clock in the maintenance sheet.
2:38:00
